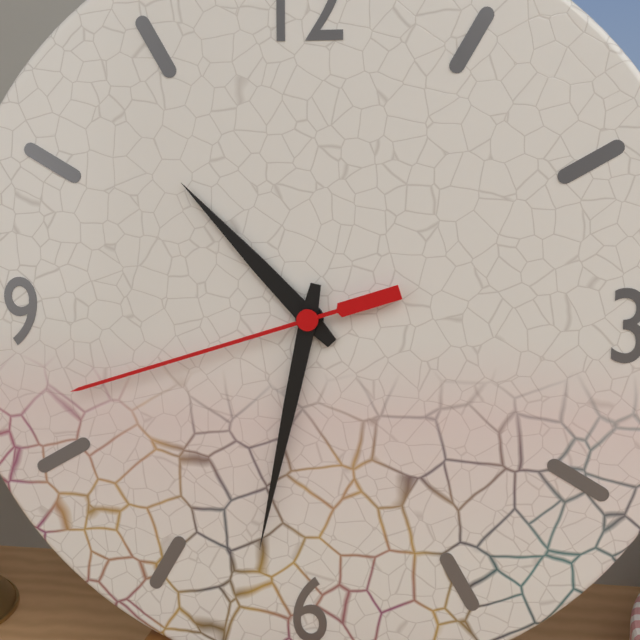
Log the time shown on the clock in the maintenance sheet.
10:32:42
